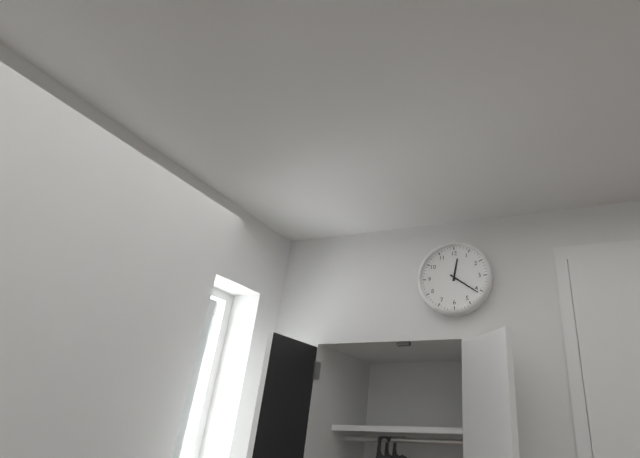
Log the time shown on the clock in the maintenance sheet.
12:21
